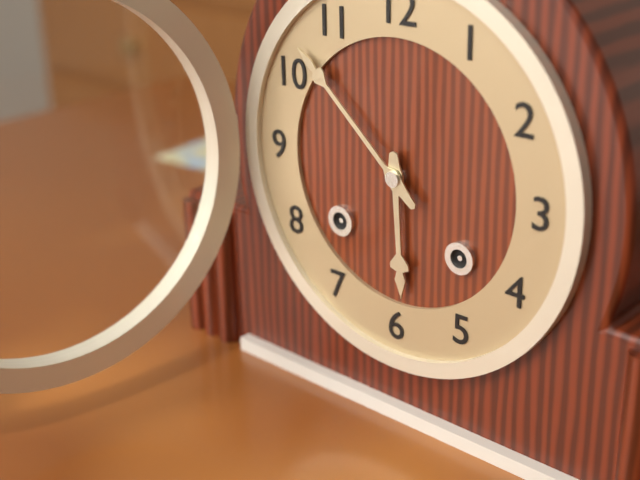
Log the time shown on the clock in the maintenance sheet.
5:52
